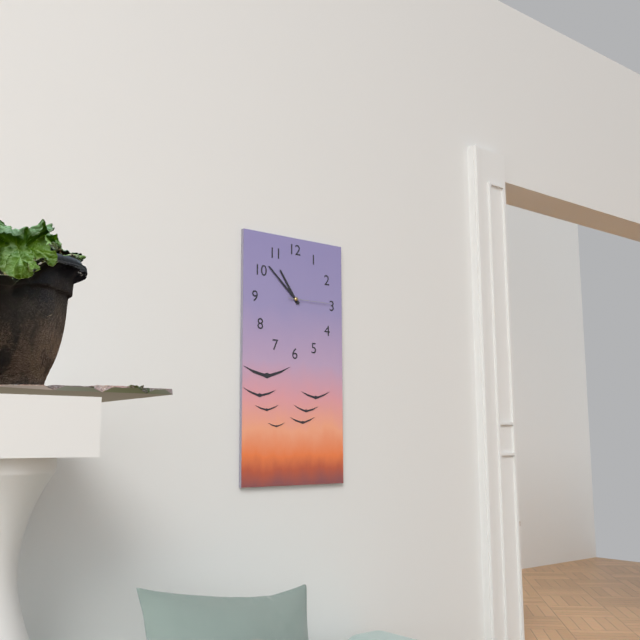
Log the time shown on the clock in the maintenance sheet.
10:52
